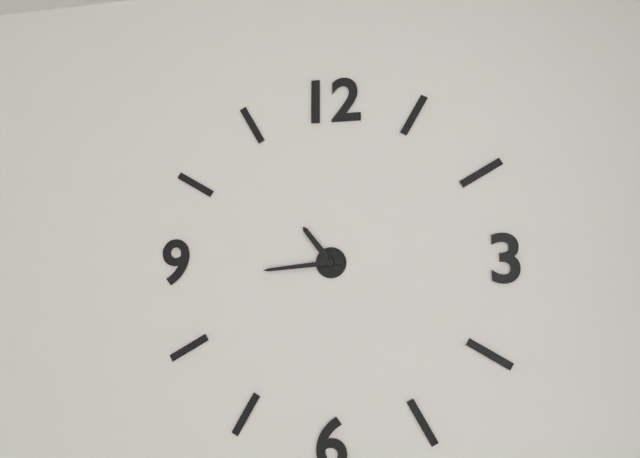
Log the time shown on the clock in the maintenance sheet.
10:44
